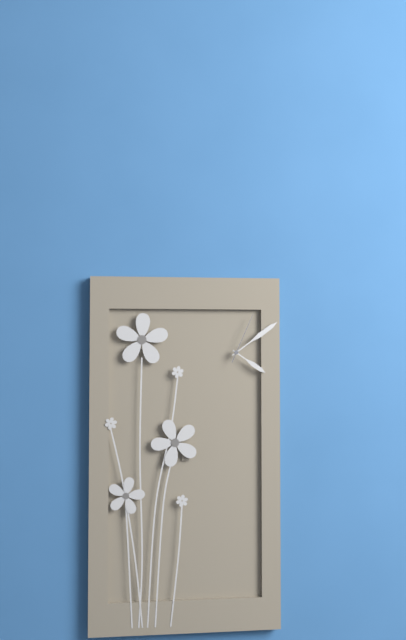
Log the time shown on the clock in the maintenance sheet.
4:09:04
